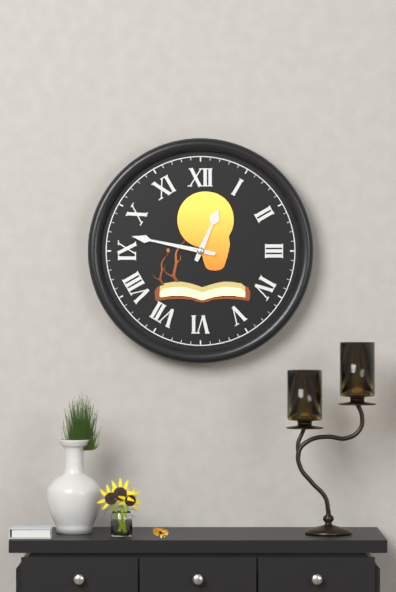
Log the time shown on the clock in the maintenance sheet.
12:47
